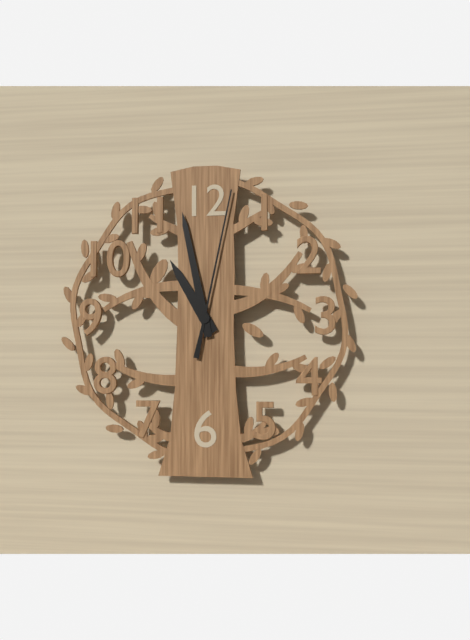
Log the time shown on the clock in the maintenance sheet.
10:58:02
